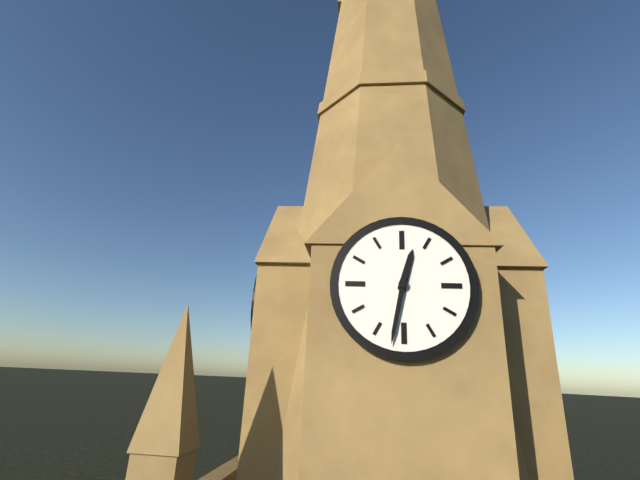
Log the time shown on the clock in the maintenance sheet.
12:32
